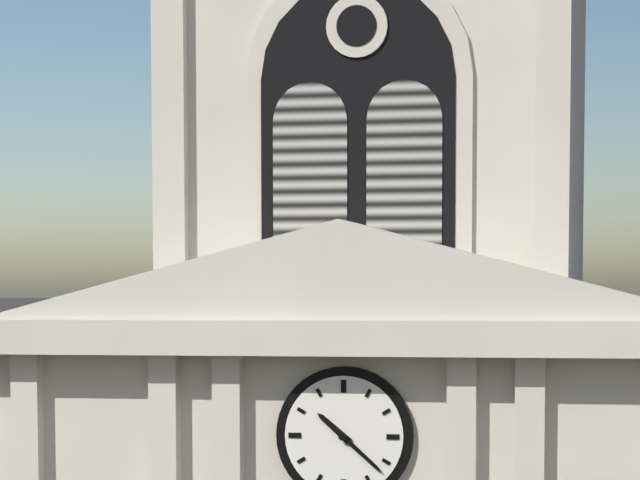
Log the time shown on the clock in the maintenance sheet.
10:22
